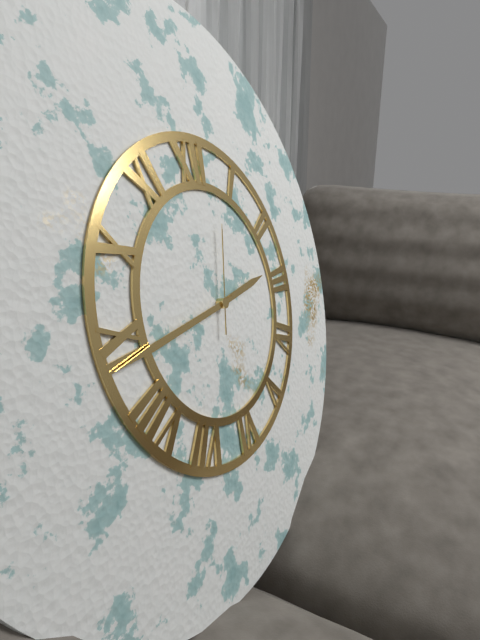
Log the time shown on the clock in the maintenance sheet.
2:44:03
